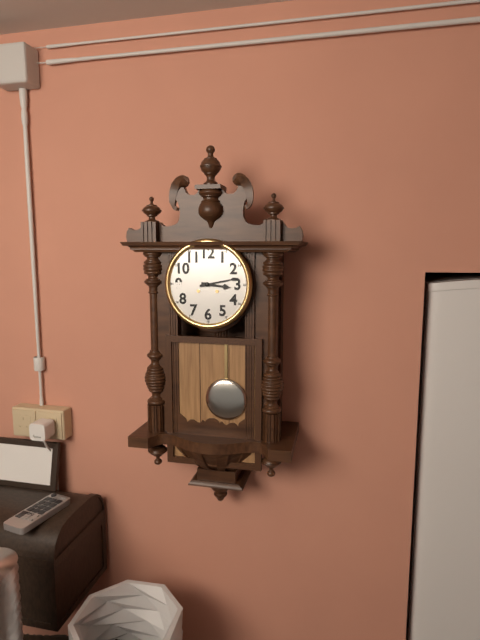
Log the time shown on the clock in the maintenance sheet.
3:13
